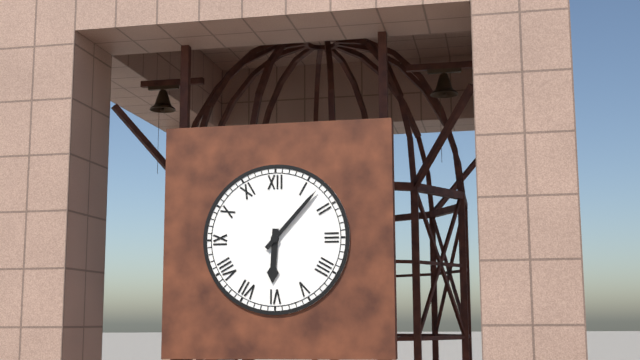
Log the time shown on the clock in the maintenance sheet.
6:07
